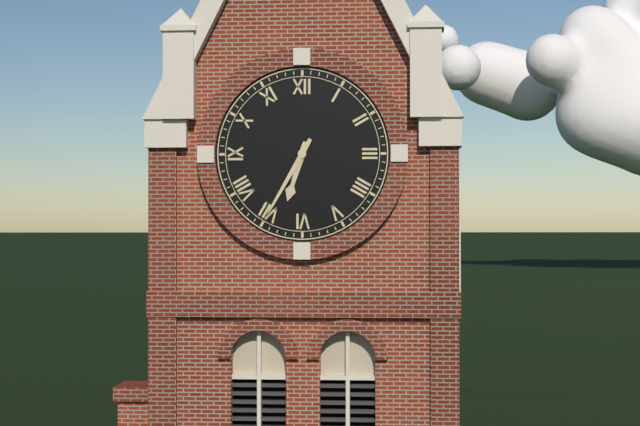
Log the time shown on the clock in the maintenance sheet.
6:35
